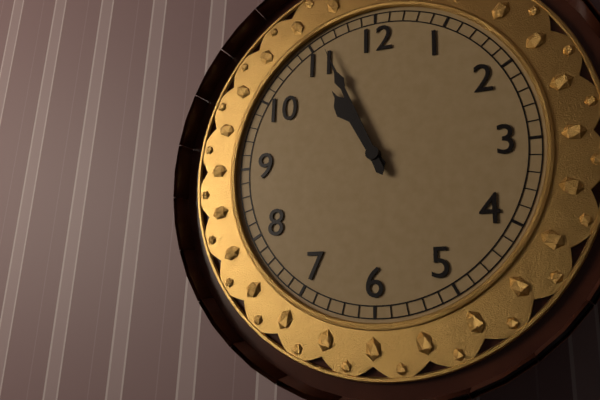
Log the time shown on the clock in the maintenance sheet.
10:56
